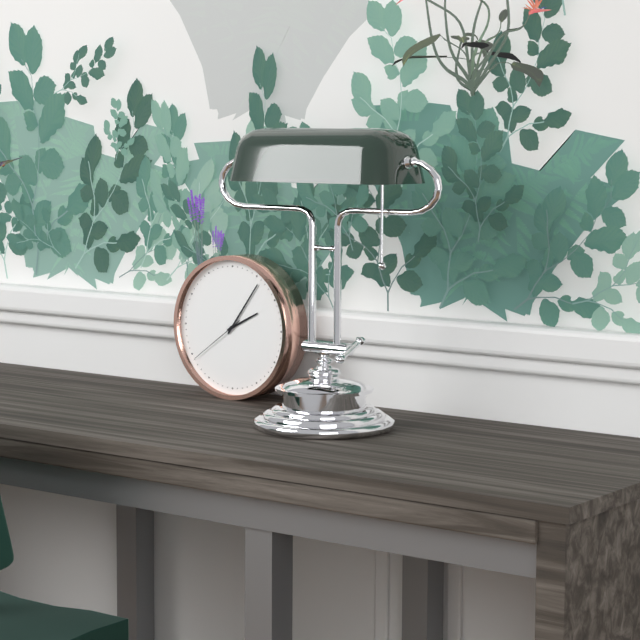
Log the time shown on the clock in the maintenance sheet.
2:06:39
